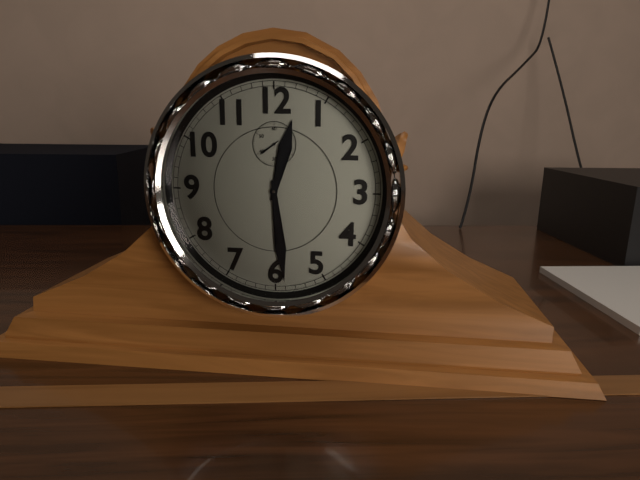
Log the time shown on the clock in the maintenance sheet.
12:29
